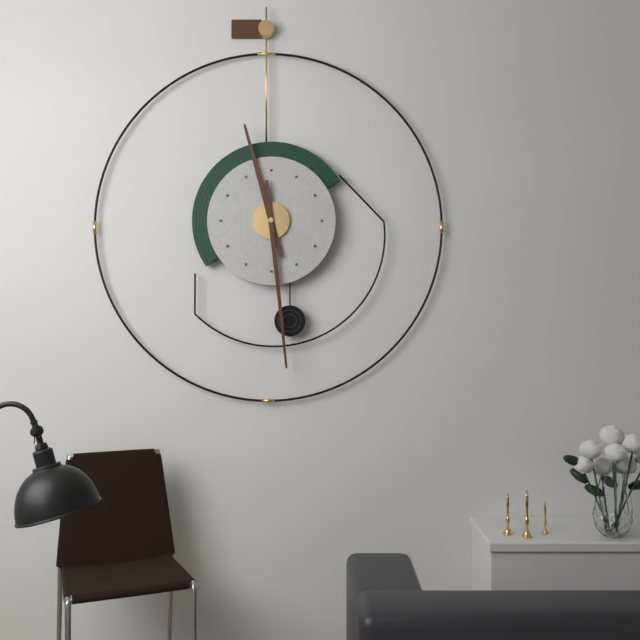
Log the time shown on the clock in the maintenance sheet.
11:29
